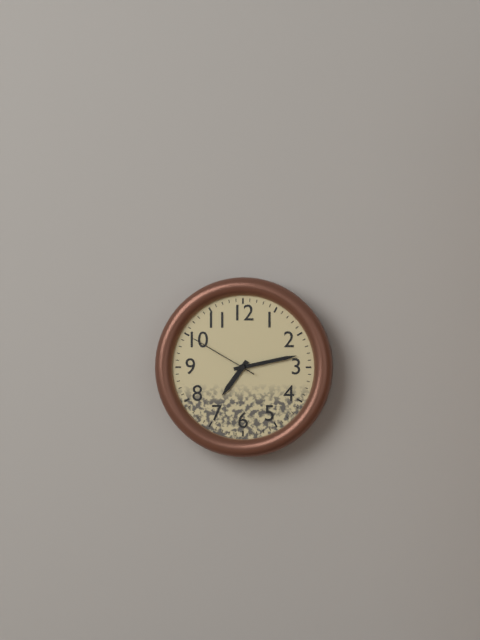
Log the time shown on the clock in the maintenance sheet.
7:13:50
